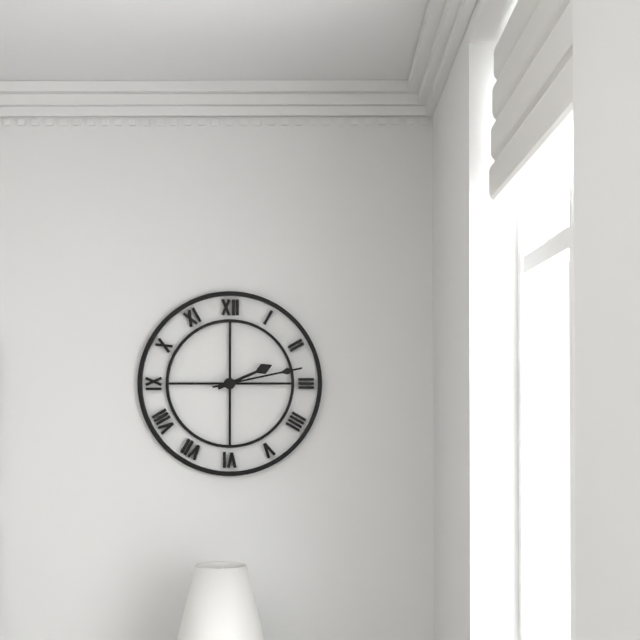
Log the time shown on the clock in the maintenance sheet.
2:13
